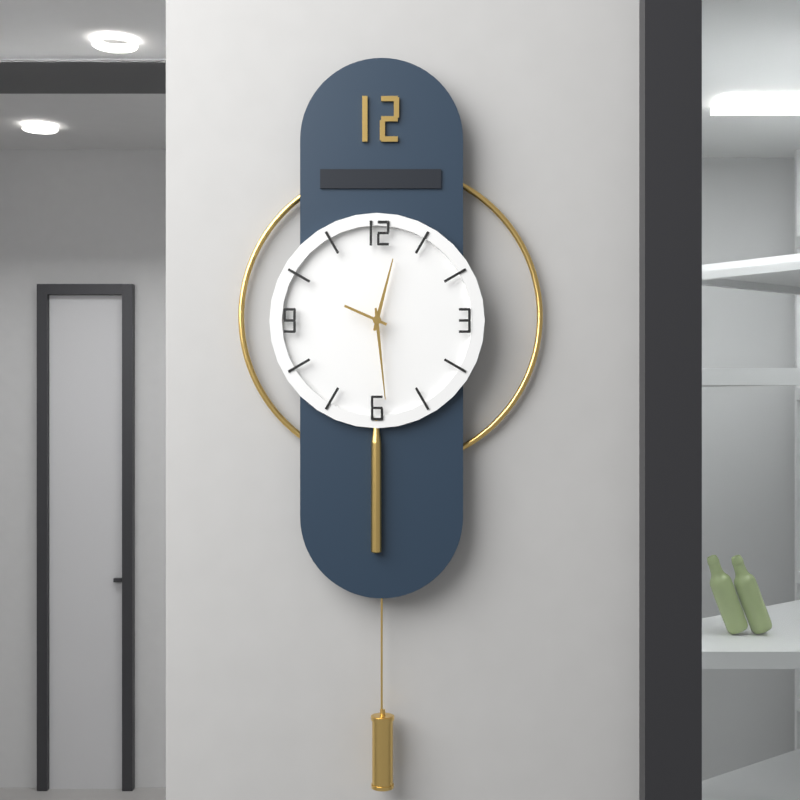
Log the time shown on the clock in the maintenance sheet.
12:29
